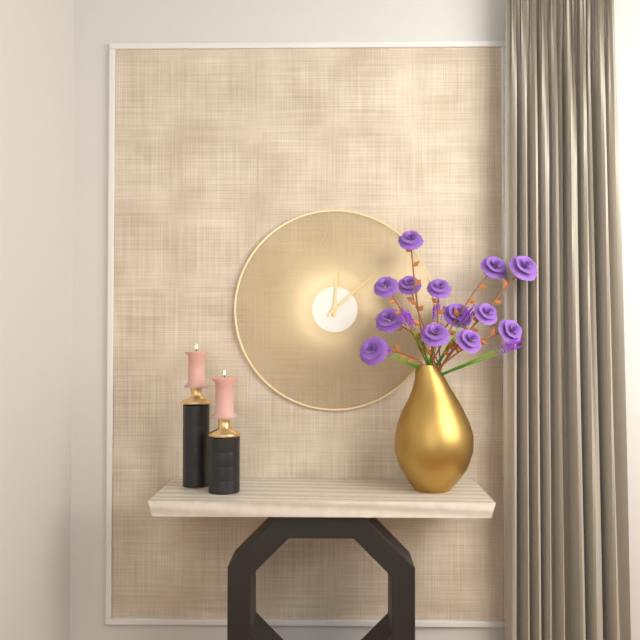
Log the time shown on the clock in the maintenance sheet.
12:08
